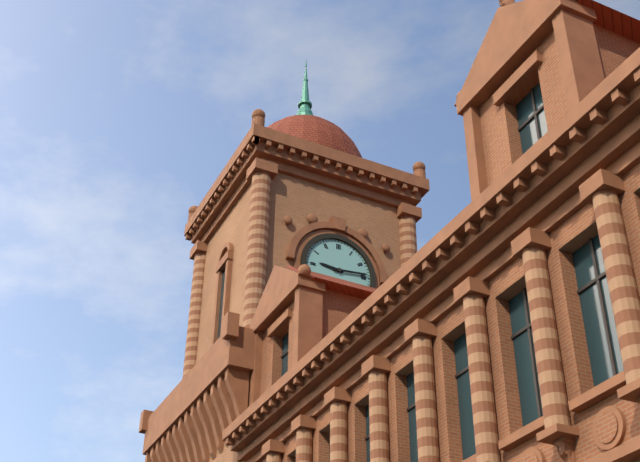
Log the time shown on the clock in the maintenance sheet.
9:14
